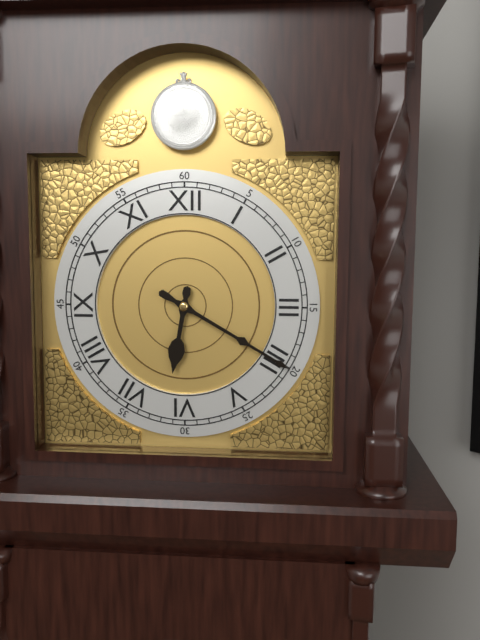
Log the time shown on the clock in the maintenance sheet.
6:20
